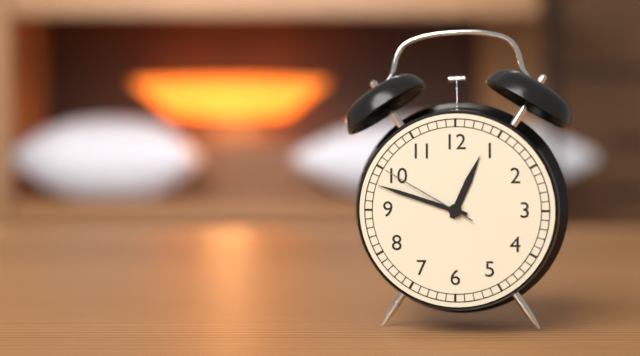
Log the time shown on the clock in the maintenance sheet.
12:48:50
